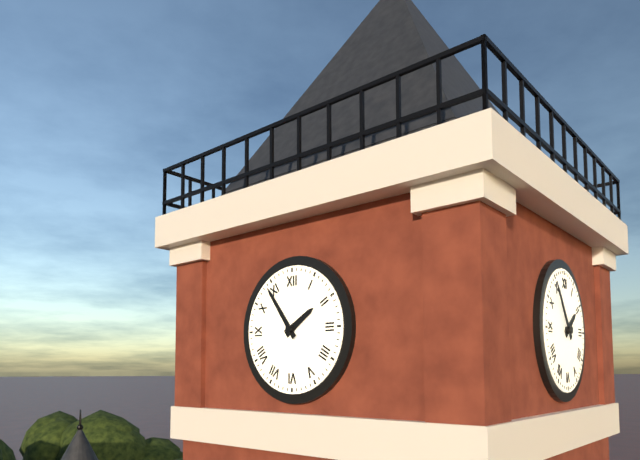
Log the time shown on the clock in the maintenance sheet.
1:54
